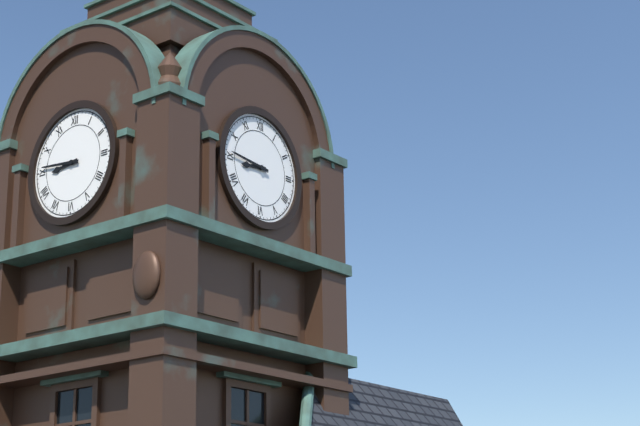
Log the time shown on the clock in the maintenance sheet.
8:46
